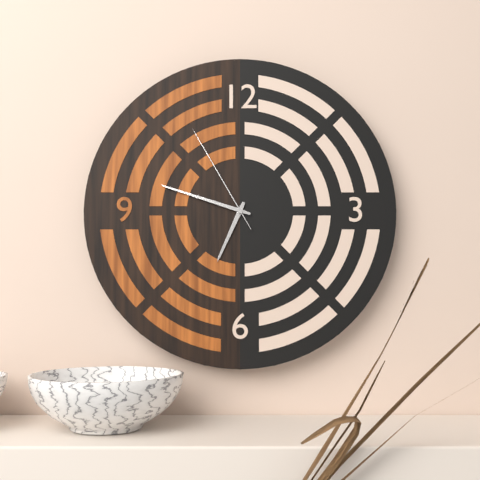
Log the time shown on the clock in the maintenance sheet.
6:48:55
